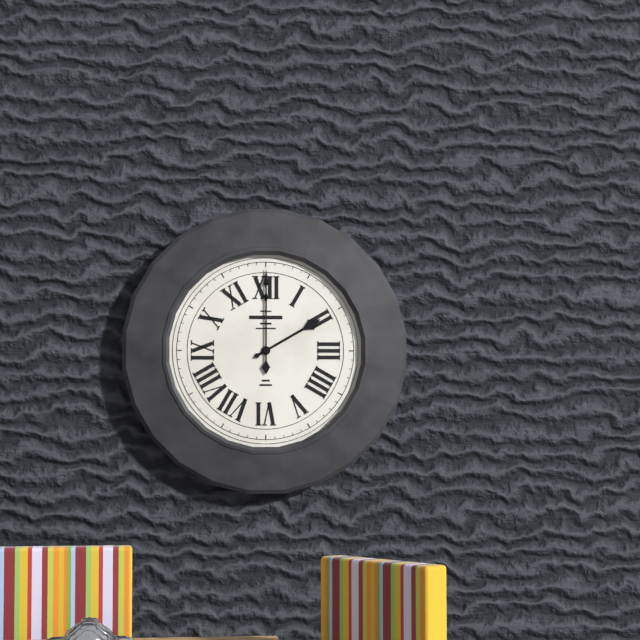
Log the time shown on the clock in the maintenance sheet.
2:00
